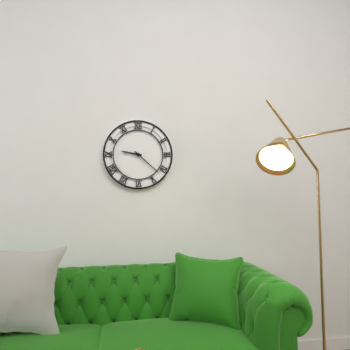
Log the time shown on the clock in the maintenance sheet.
9:22
